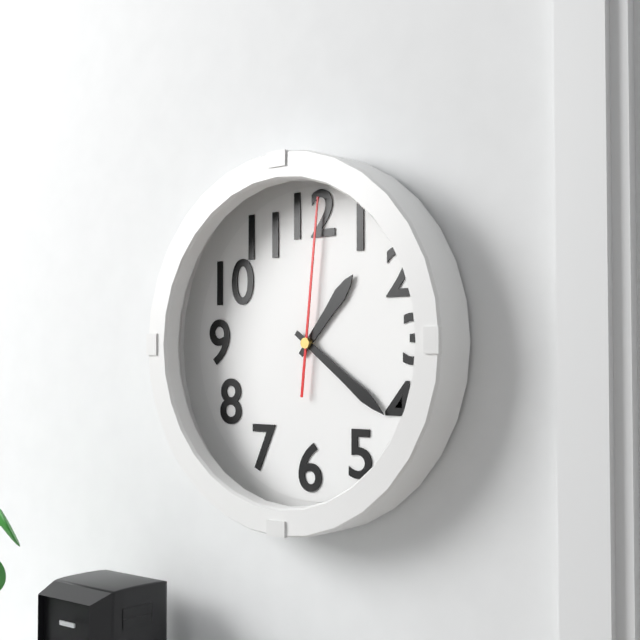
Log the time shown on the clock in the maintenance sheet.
1:21:01
